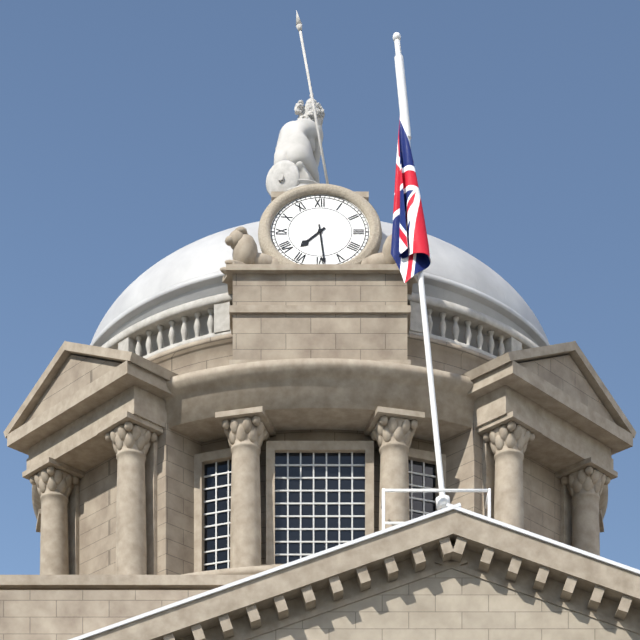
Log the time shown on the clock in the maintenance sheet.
7:29
